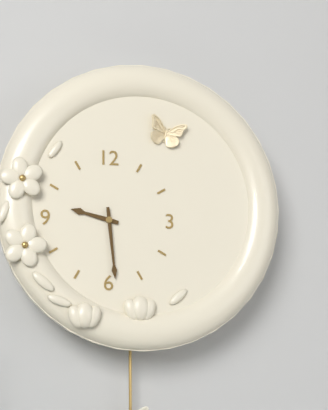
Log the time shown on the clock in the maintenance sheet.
9:29
